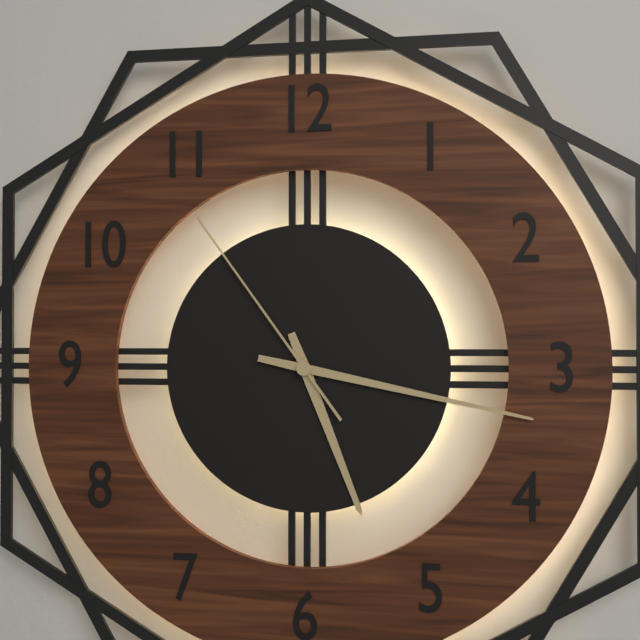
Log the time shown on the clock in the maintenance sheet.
5:17:54
